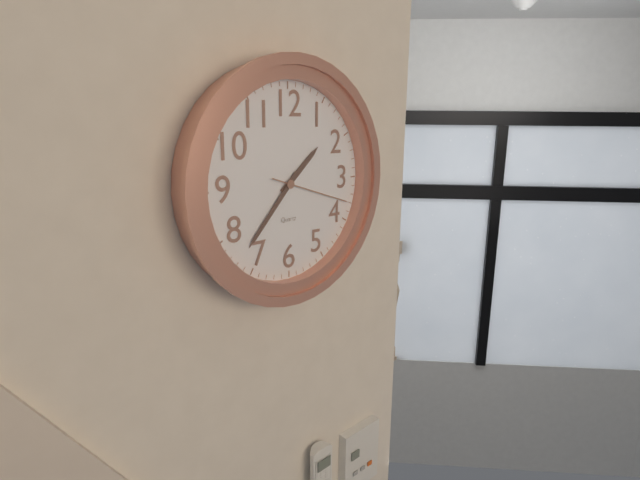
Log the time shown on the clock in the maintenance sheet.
1:37:18
